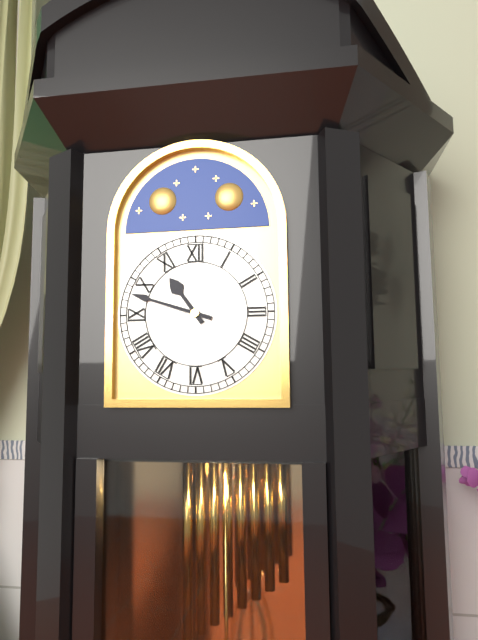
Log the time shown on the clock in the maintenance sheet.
10:48
